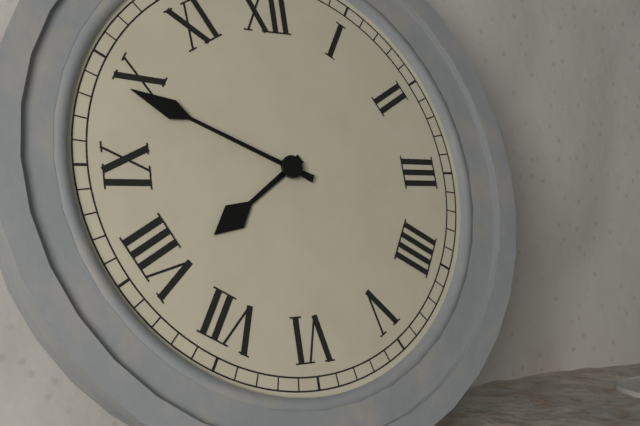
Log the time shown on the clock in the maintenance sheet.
7:49
